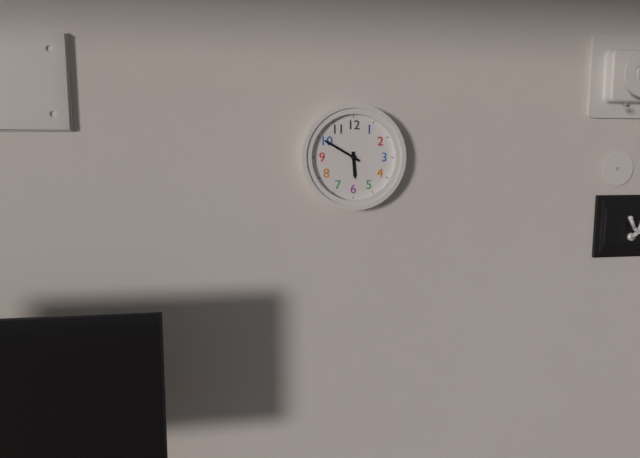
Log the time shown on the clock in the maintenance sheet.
5:50
